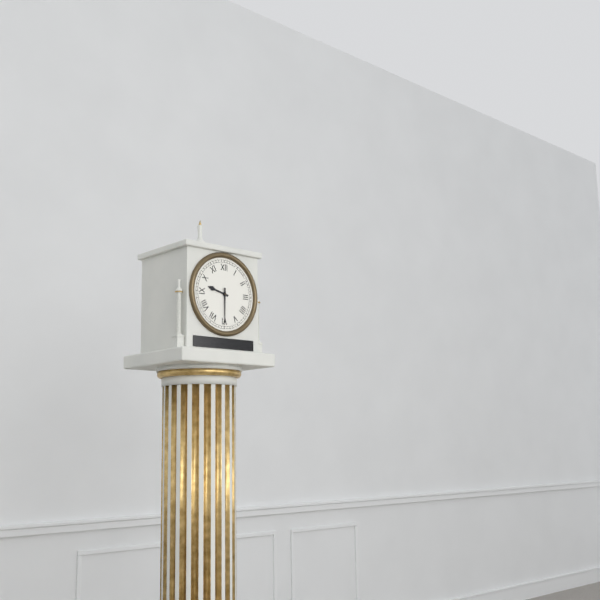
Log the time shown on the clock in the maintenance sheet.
9:30
